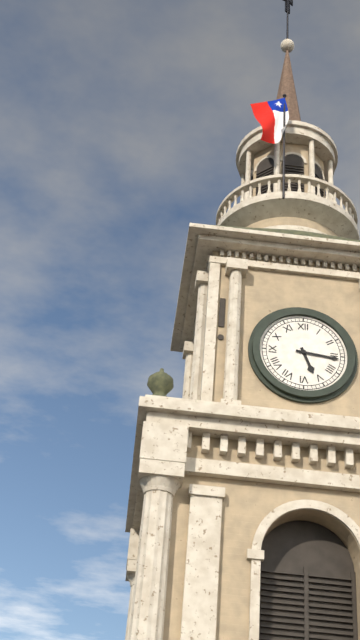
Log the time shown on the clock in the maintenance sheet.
5:16
